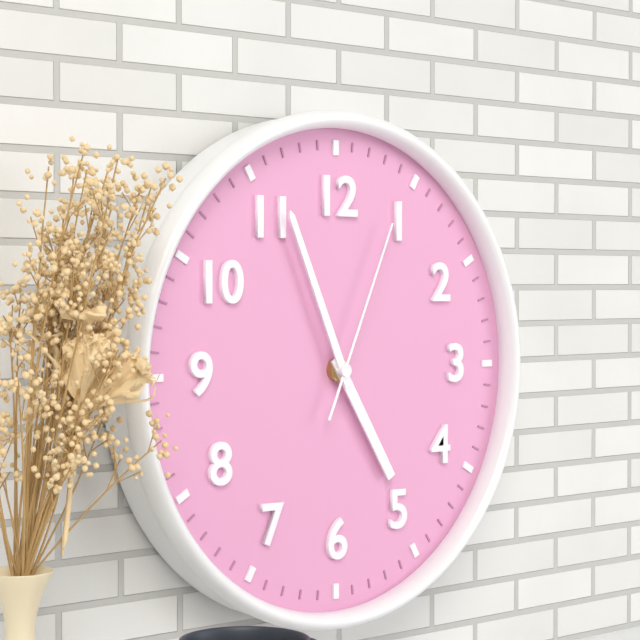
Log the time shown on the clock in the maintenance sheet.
4:56:04
